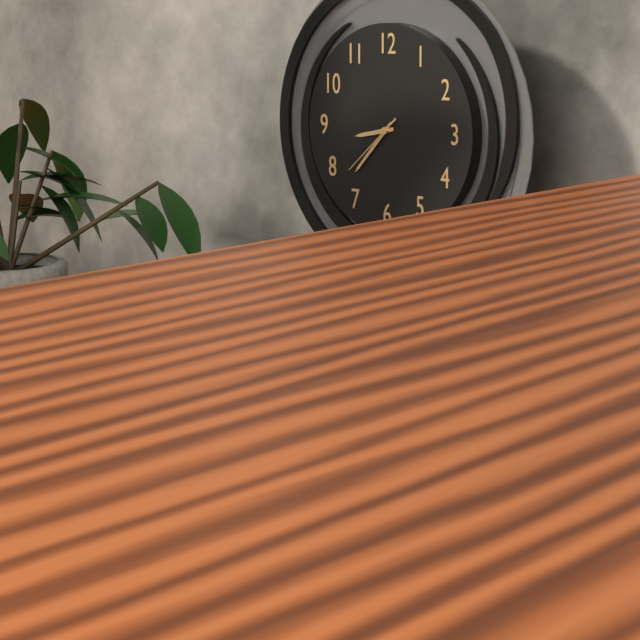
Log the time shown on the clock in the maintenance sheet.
8:37:38
